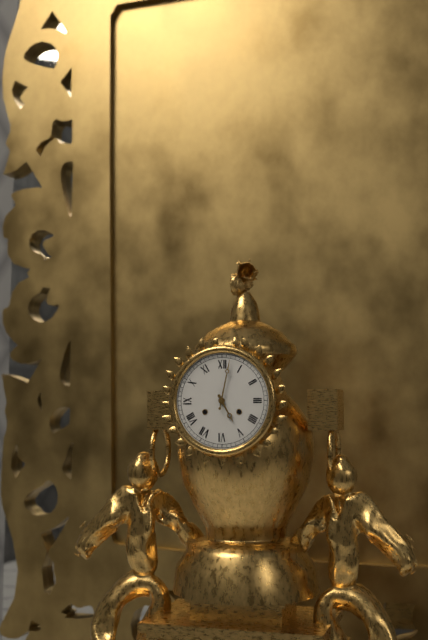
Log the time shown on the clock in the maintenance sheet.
5:02
